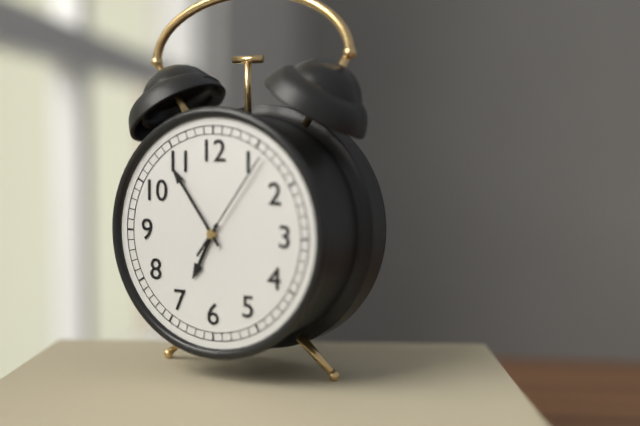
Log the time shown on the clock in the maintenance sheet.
6:54:06
